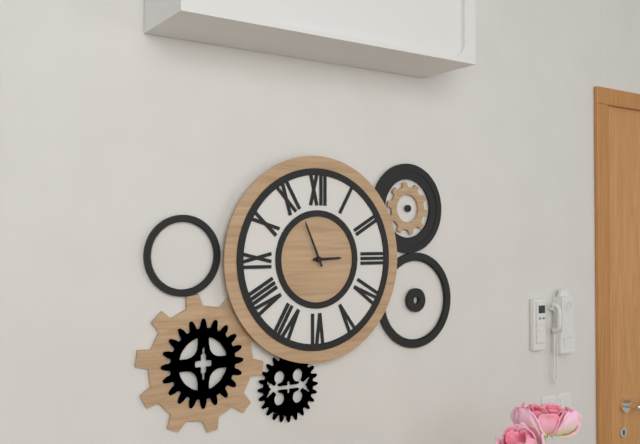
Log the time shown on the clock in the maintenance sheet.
2:56
